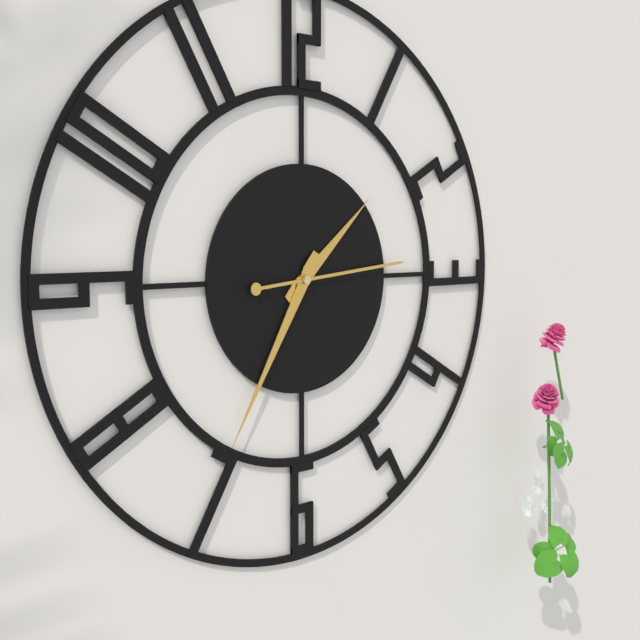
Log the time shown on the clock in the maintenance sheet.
1:35:14
